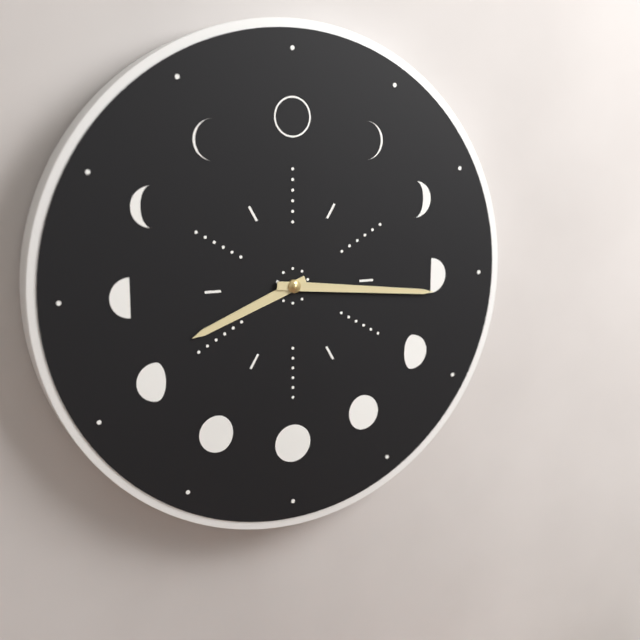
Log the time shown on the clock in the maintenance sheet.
8:16
